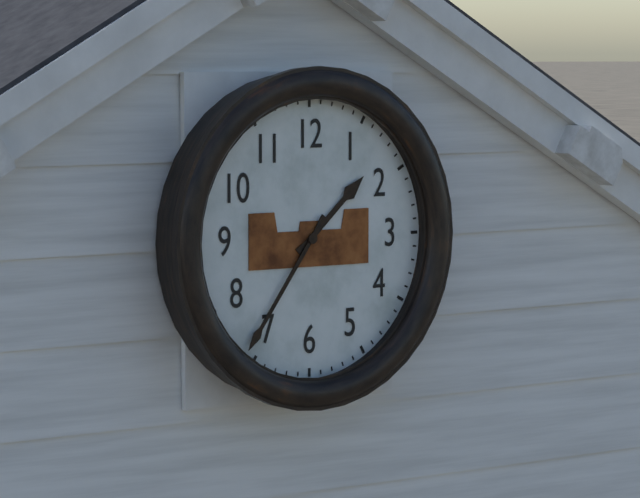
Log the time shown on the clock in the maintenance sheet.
1:36
